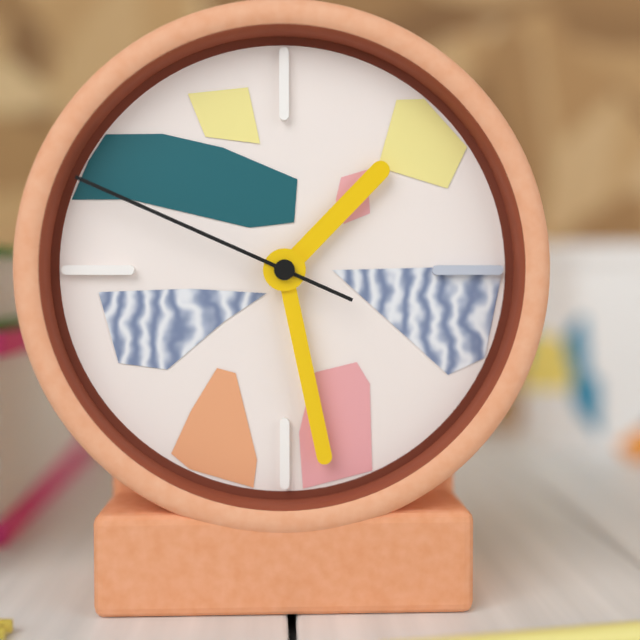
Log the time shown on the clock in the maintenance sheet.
1:28:49
